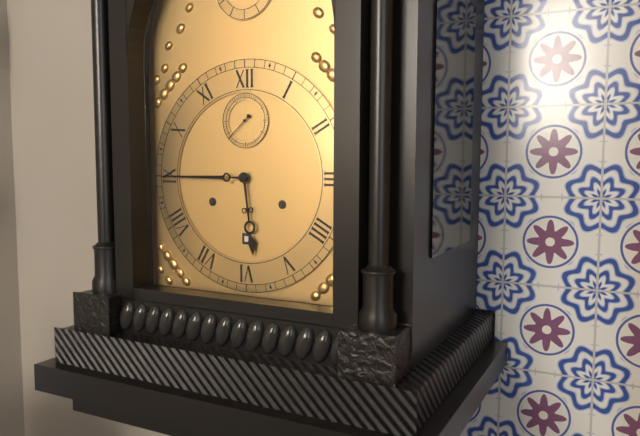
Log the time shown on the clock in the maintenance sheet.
5:45
